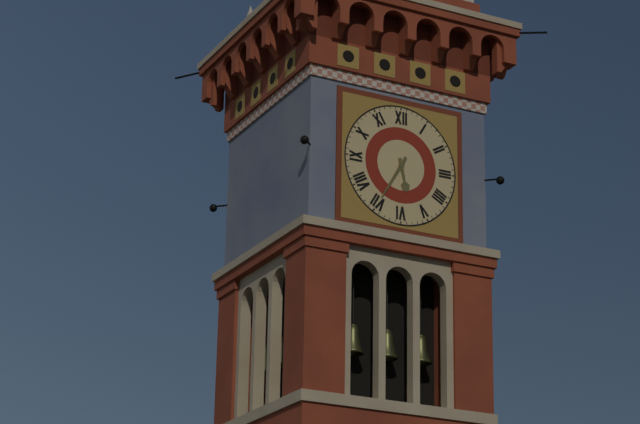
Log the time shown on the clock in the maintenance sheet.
5:35
